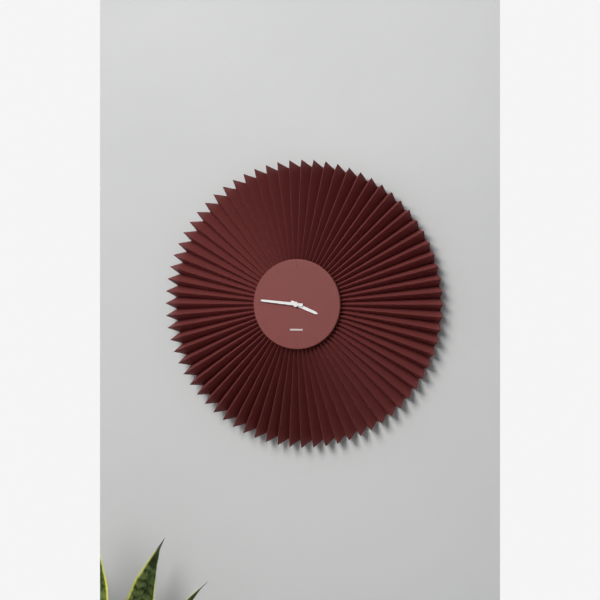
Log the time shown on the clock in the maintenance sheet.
3:46
